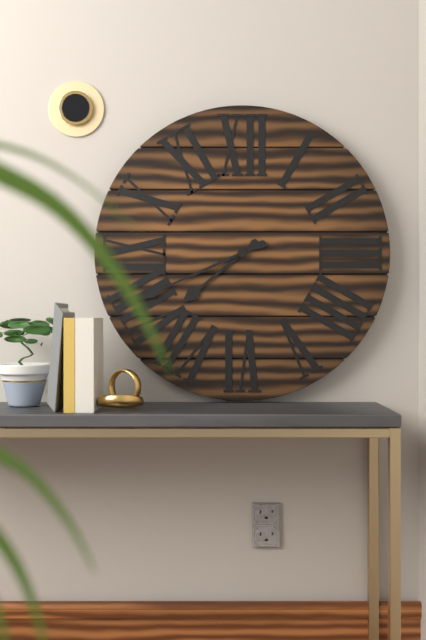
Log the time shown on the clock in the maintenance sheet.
7:41
